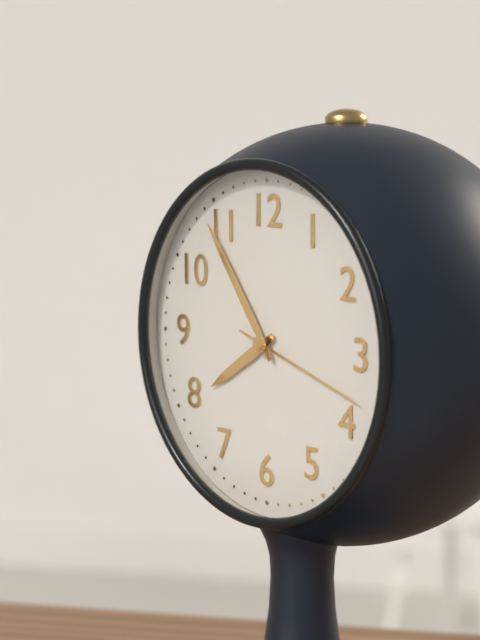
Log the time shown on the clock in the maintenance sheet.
7:54:18
